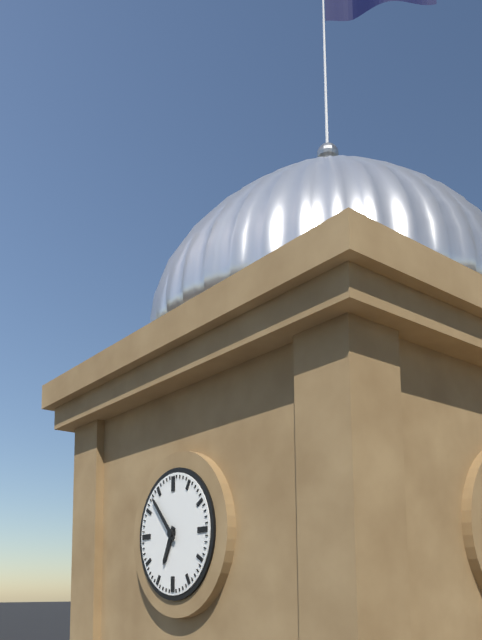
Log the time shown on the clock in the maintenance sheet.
6:53
